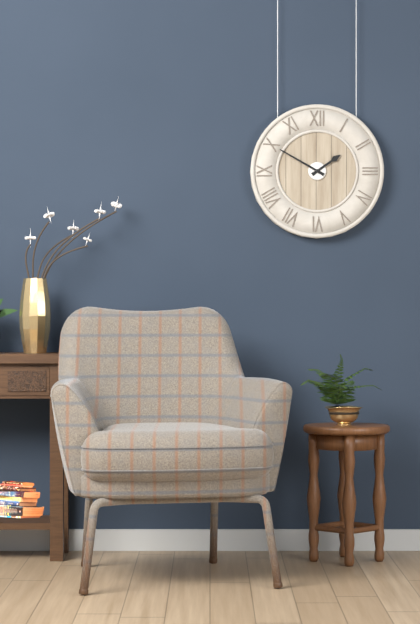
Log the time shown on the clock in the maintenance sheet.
1:50
